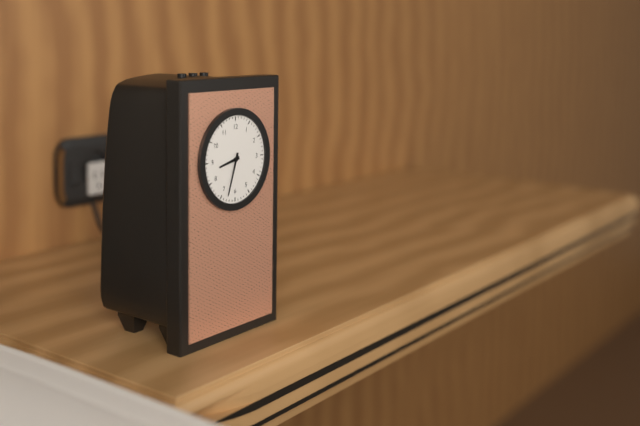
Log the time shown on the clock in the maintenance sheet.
8:33
